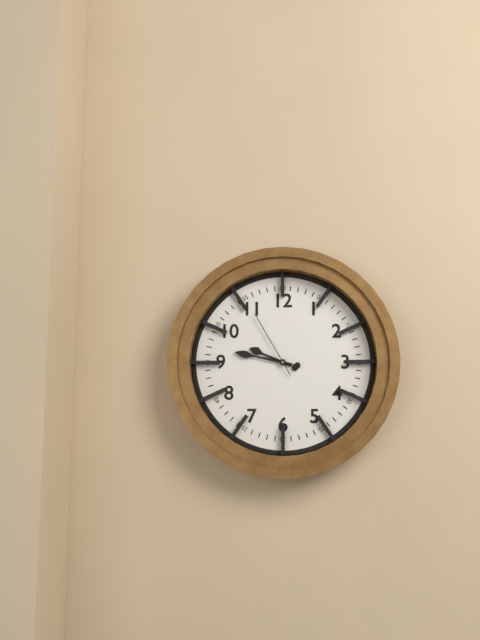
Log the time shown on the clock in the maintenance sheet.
9:47:55
